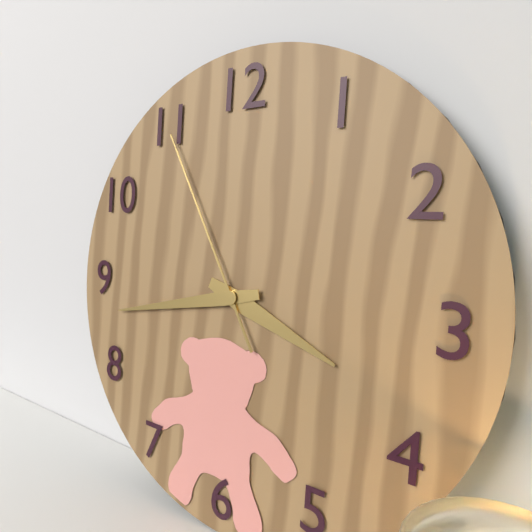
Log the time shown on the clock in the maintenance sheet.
3:43:55
